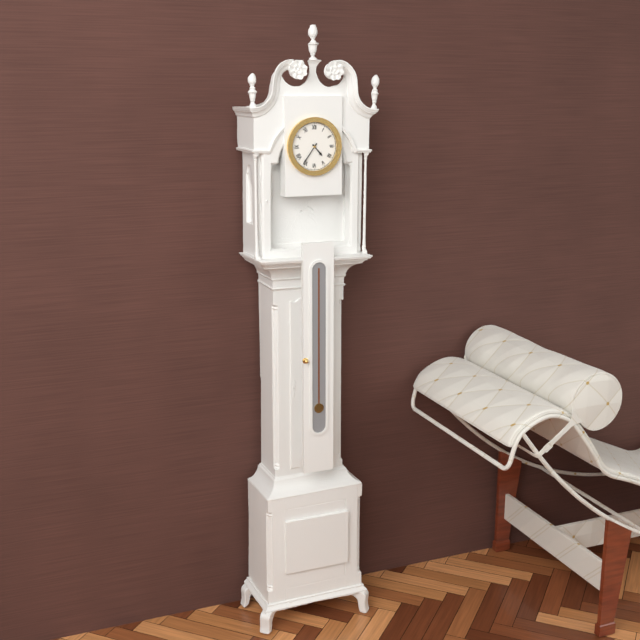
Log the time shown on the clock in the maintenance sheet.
4:36
